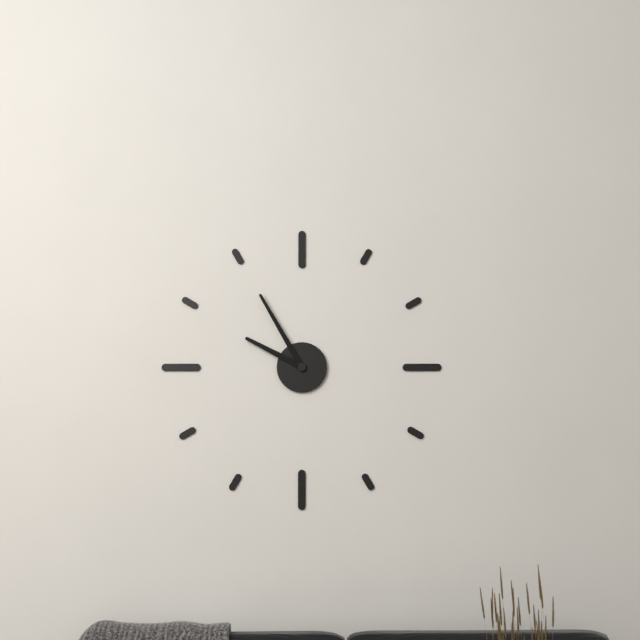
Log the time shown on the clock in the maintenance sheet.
9:55
